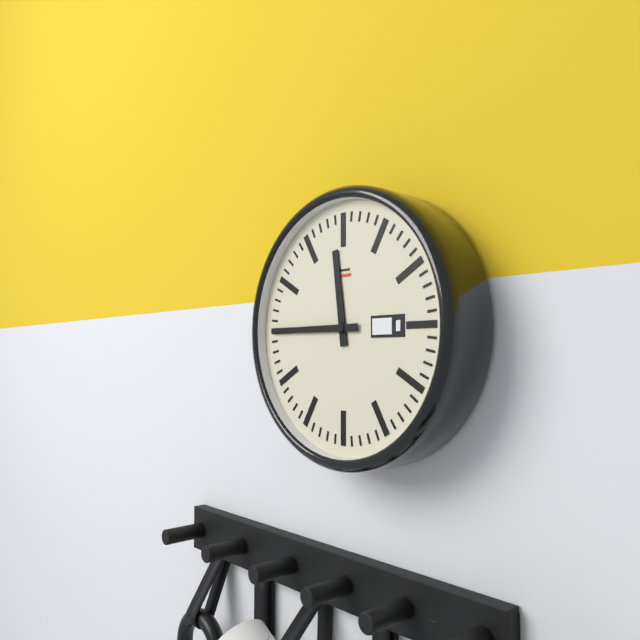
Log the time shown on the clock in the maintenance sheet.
11:45
